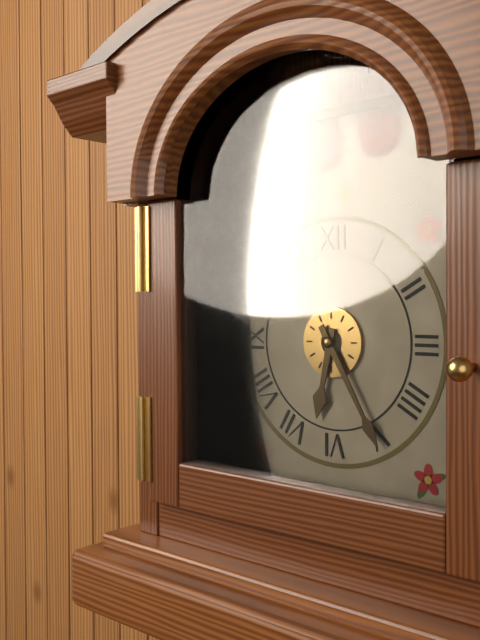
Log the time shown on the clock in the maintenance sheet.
6:25
